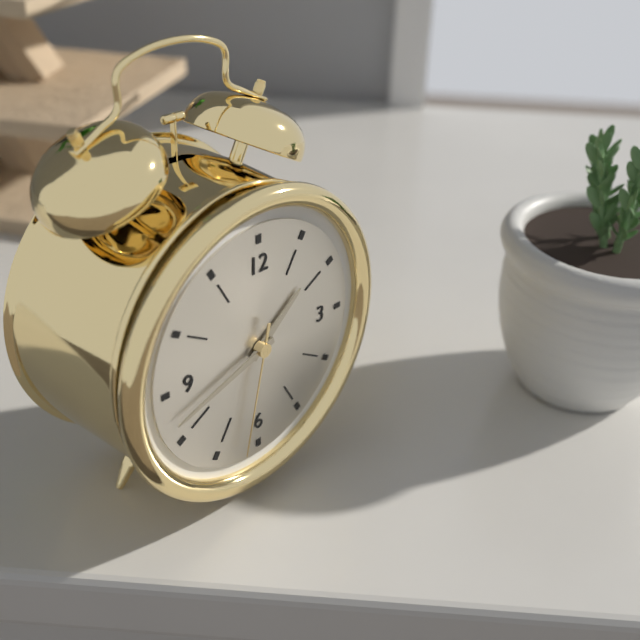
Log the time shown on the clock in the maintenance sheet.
1:42:32
